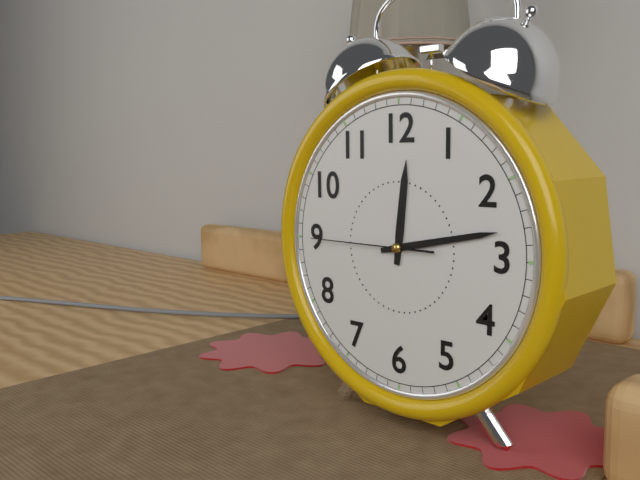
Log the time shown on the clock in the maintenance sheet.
12:13:45
